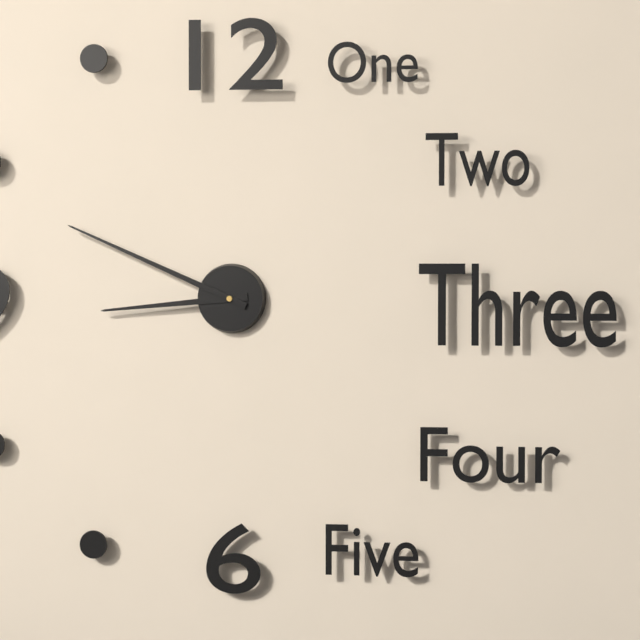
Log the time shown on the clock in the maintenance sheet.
8:49
